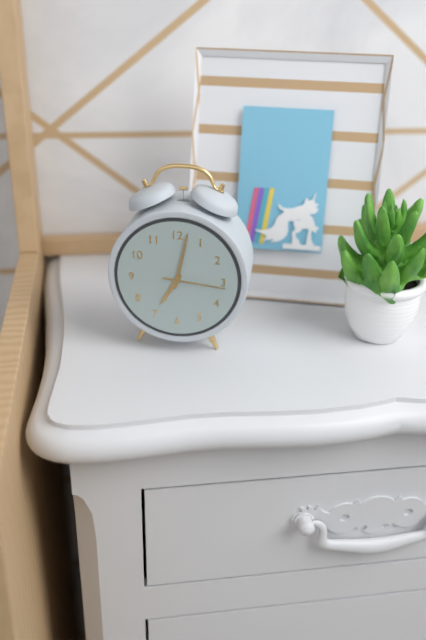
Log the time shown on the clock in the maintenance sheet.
7:02:16
